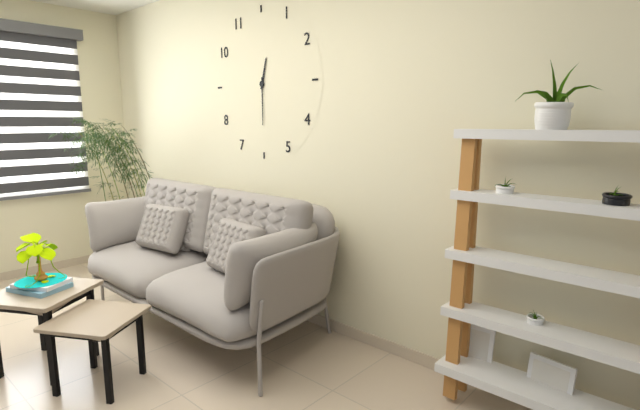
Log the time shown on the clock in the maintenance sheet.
12:30
